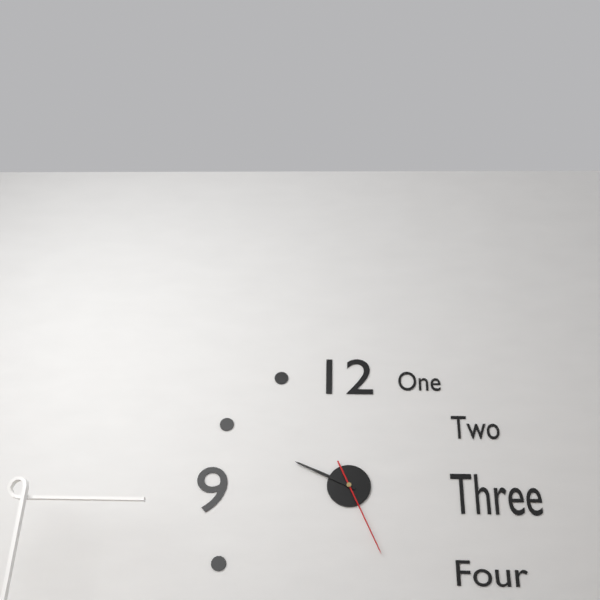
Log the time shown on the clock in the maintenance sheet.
9:49:26
